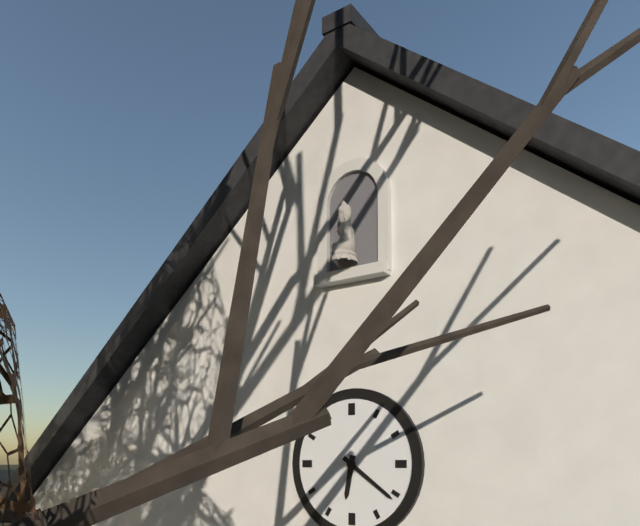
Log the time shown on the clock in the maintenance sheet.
6:21
